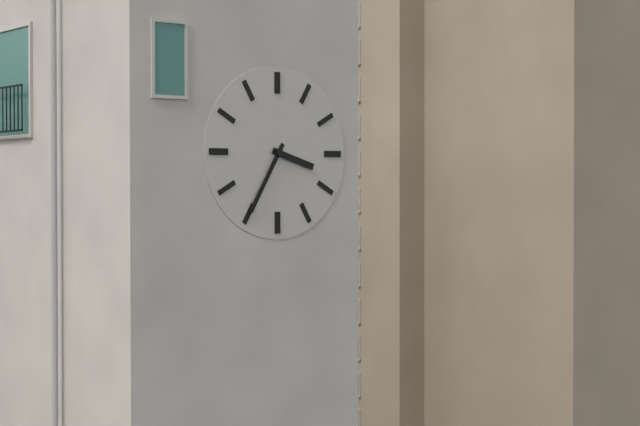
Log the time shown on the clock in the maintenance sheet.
3:35
